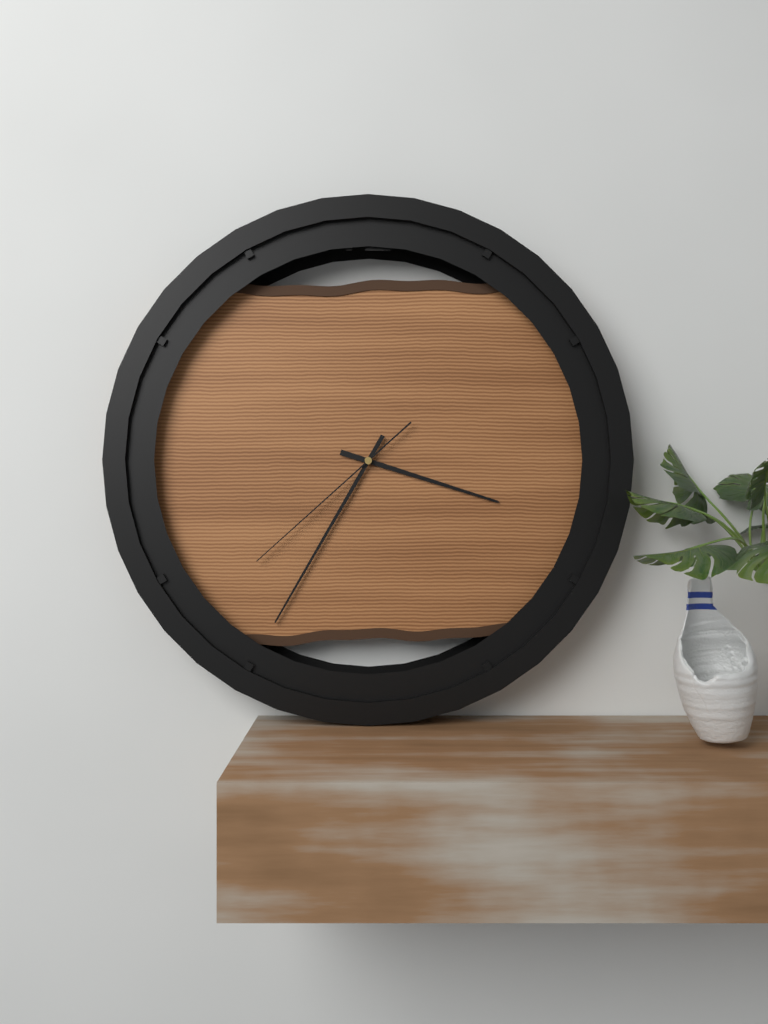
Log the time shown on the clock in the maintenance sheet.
3:35:38
